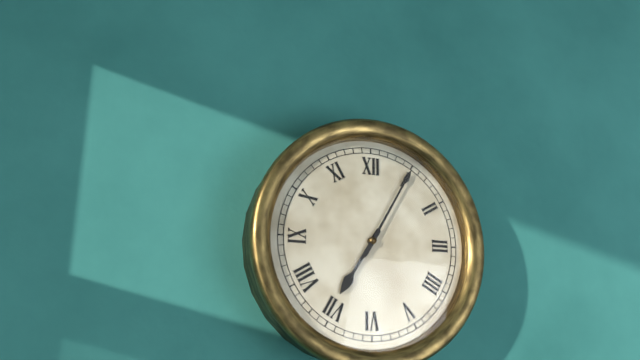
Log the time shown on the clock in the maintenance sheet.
7:05
